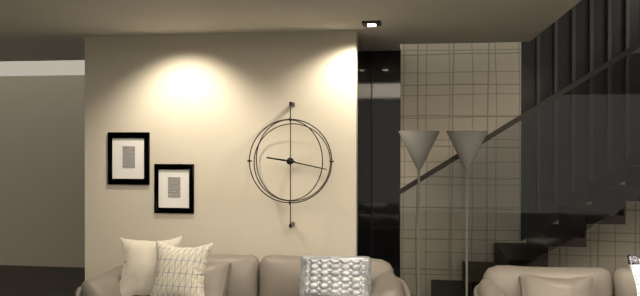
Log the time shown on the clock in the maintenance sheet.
9:17
